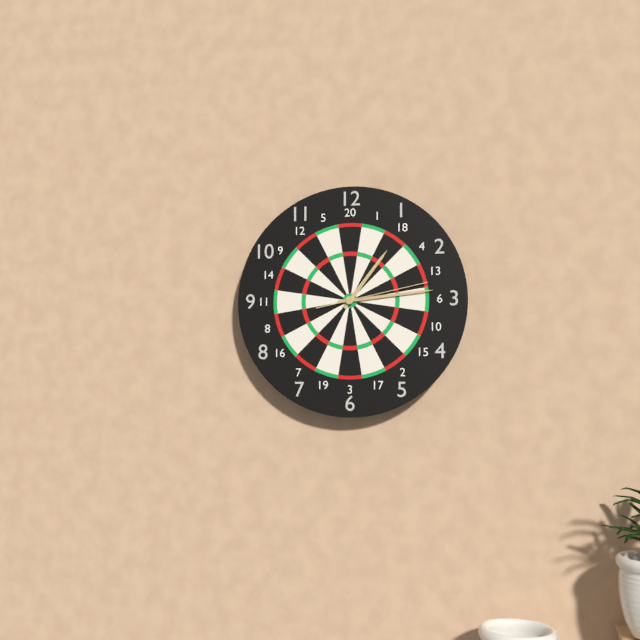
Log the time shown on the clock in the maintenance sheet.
1:14:13
